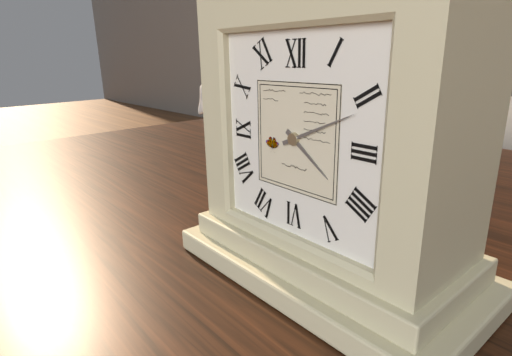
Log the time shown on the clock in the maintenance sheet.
4:11
